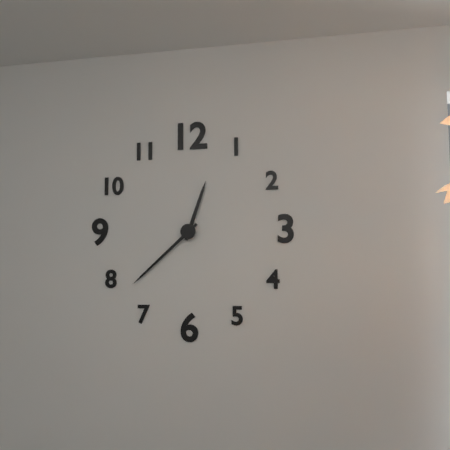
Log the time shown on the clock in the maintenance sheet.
12:38
